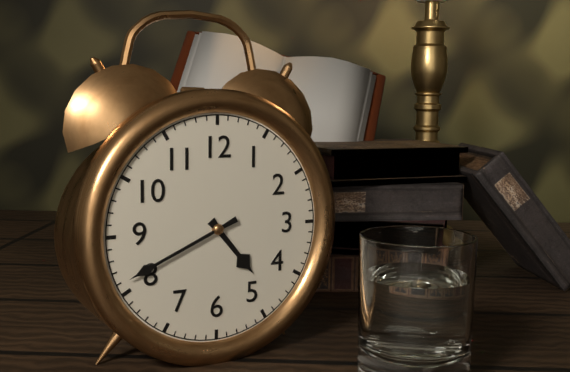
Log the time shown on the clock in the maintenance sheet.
4:41
